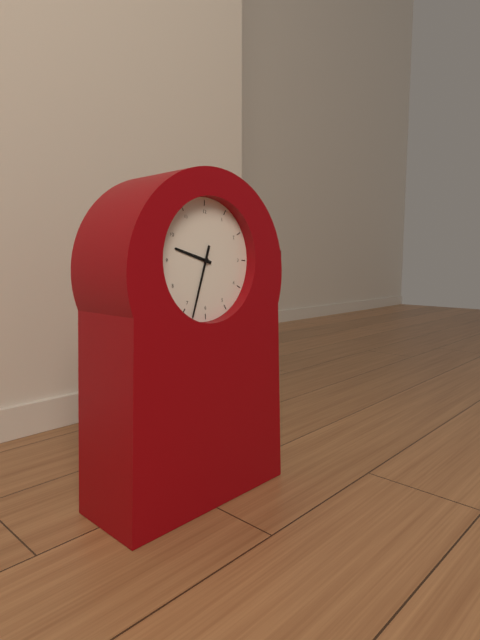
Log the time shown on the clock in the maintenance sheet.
9:33
